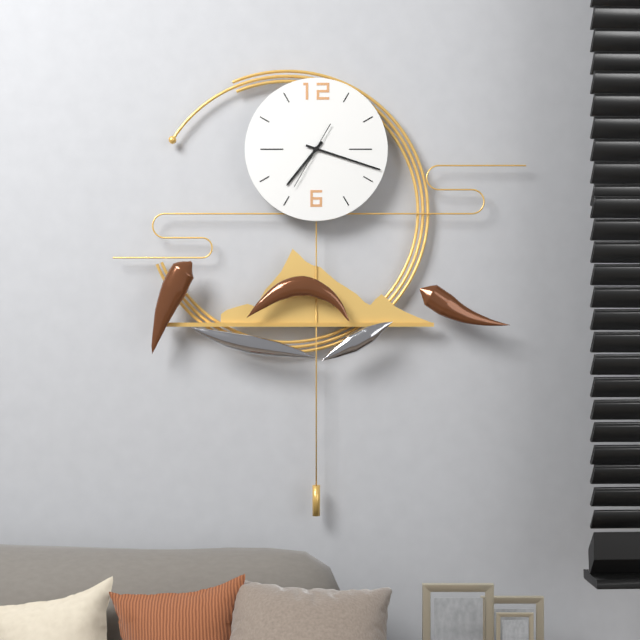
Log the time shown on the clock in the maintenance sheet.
7:18
